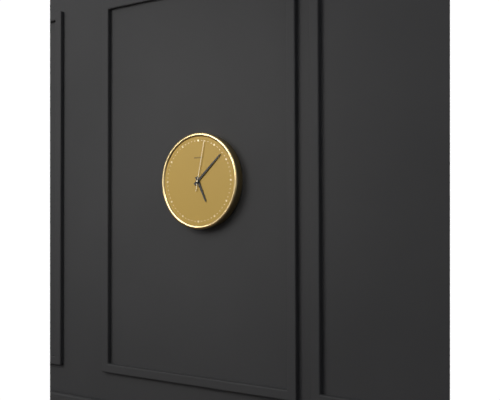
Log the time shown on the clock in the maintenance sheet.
5:08:02
